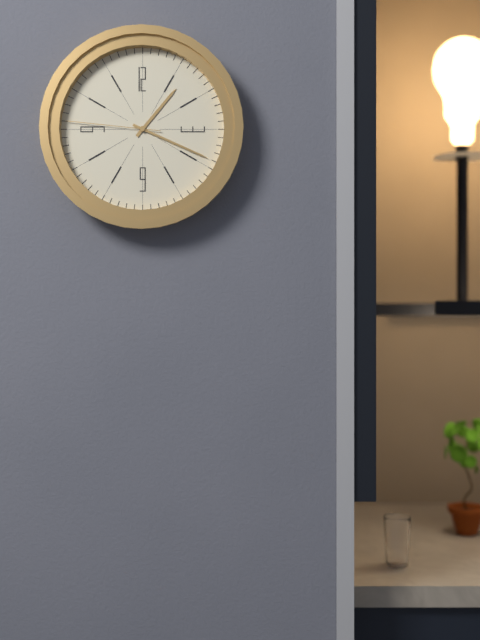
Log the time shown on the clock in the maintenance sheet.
1:19:46
